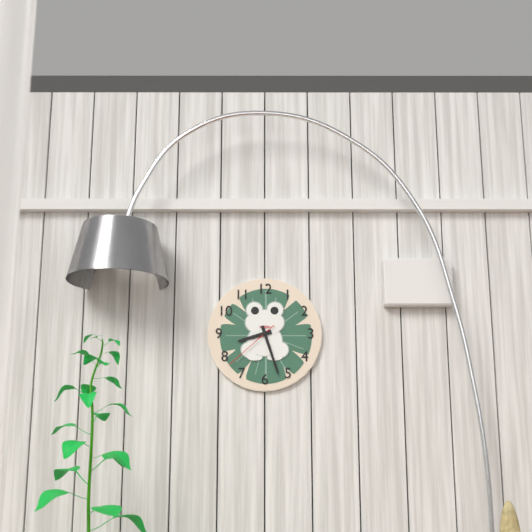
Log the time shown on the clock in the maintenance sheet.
8:27:38
